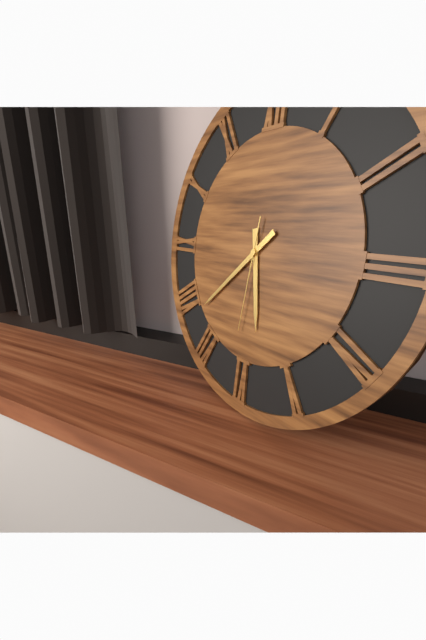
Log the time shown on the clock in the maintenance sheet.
5:38:31
